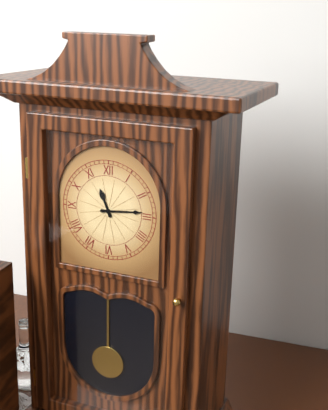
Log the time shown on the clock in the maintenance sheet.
11:14
